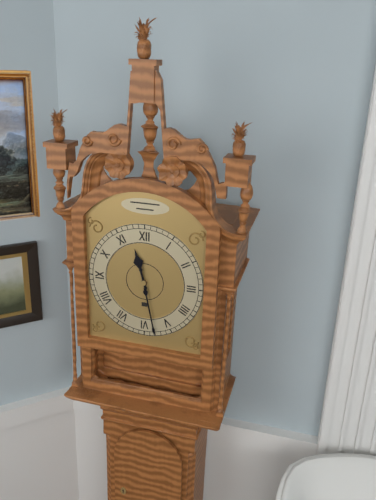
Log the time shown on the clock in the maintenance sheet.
11:28
